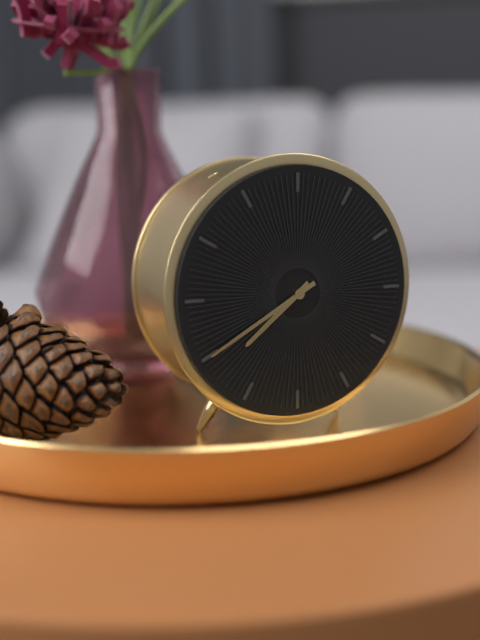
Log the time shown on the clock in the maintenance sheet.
7:40
